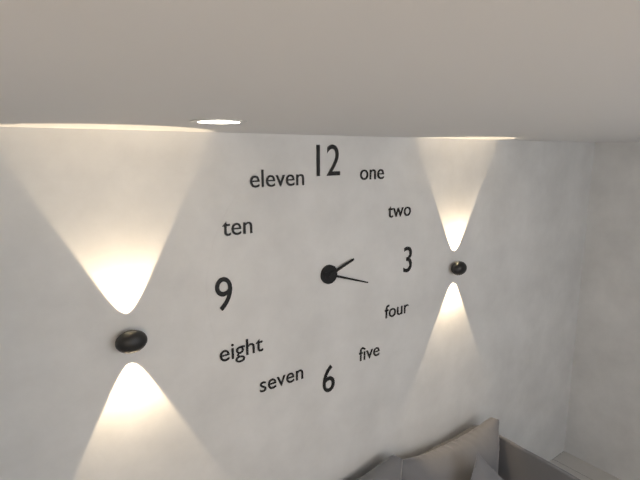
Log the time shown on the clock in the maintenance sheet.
2:18
